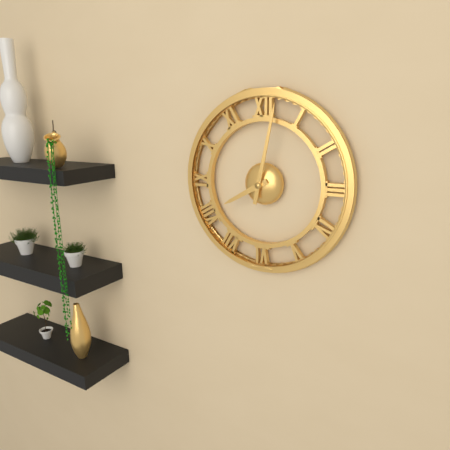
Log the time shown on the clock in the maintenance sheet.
8:02
